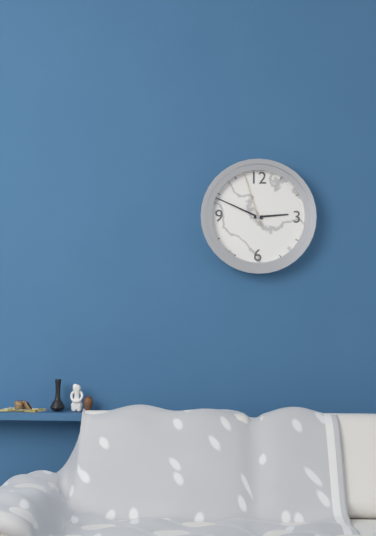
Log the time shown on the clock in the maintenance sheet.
2:49:57
